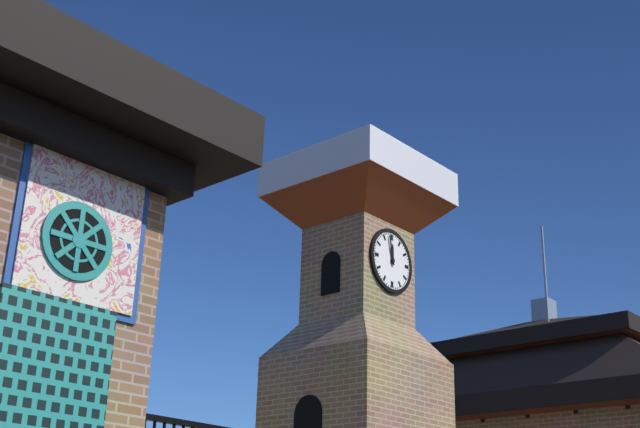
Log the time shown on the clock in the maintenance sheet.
11:58
